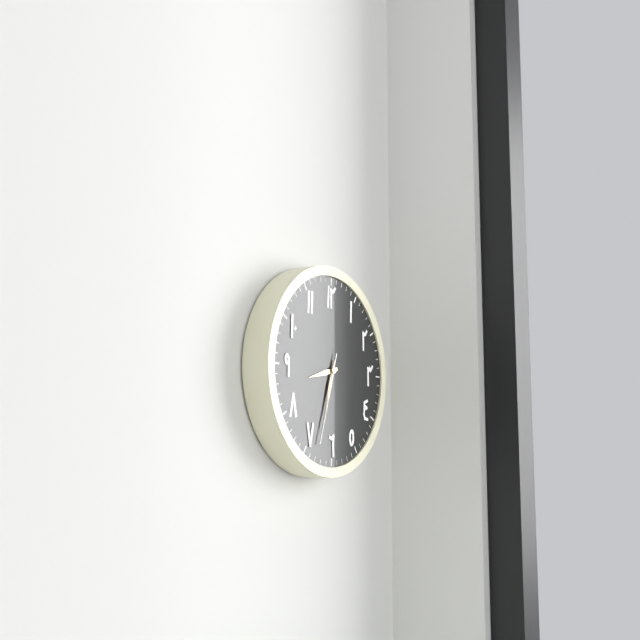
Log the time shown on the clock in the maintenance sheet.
8:33:33
